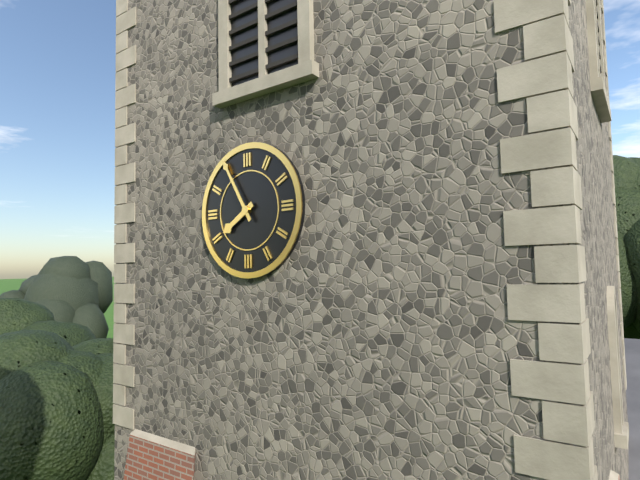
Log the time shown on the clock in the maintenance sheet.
7:55
